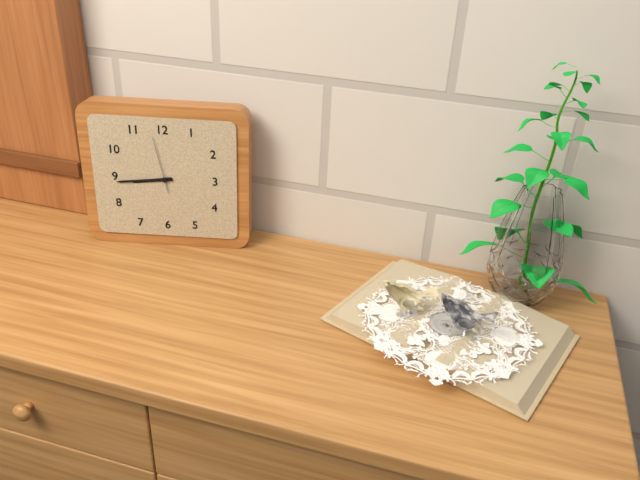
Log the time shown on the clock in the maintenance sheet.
8:44:58
